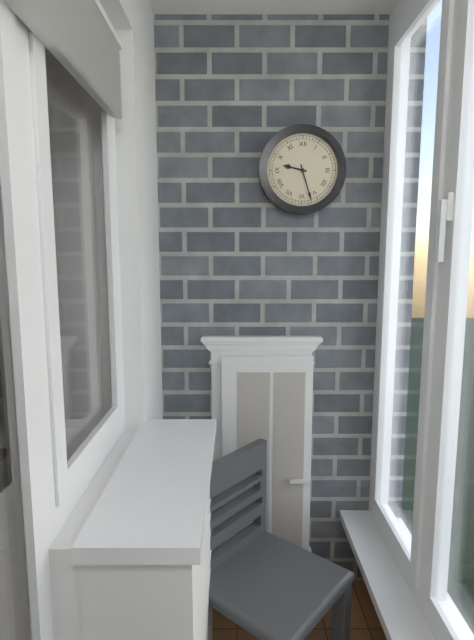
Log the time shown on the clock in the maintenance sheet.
9:27
